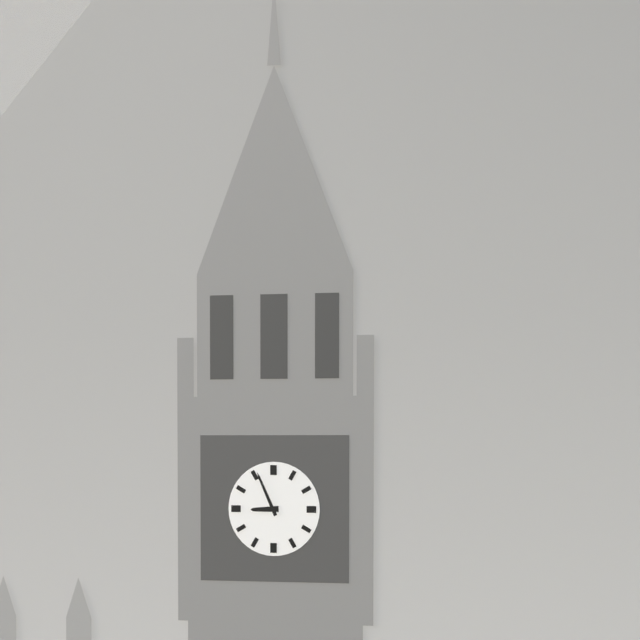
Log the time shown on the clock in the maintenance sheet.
8:56
